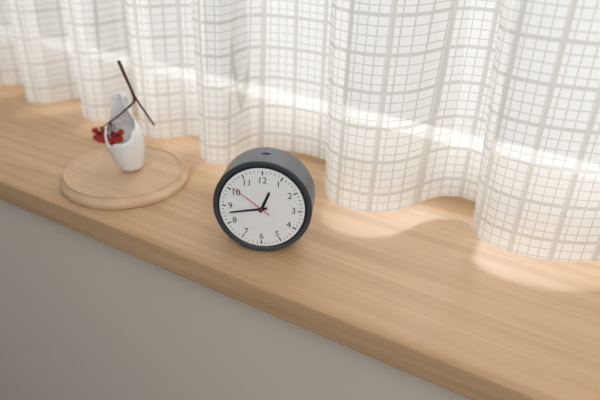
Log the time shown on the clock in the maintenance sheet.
12:43
